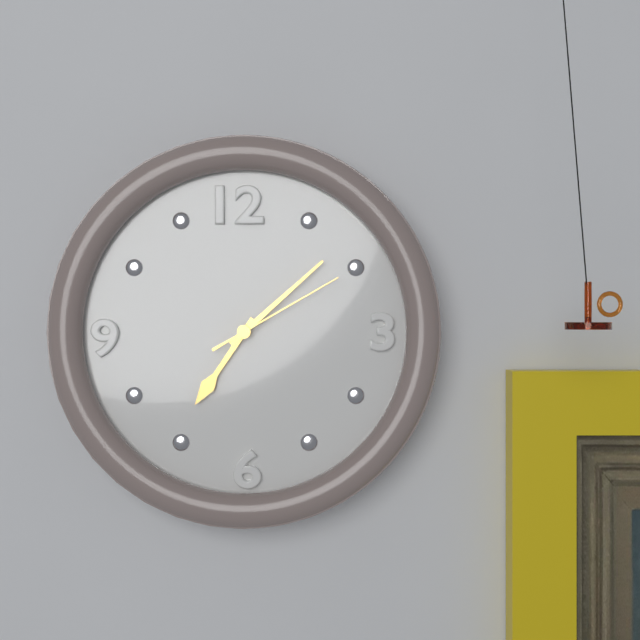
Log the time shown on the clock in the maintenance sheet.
7:08:10
